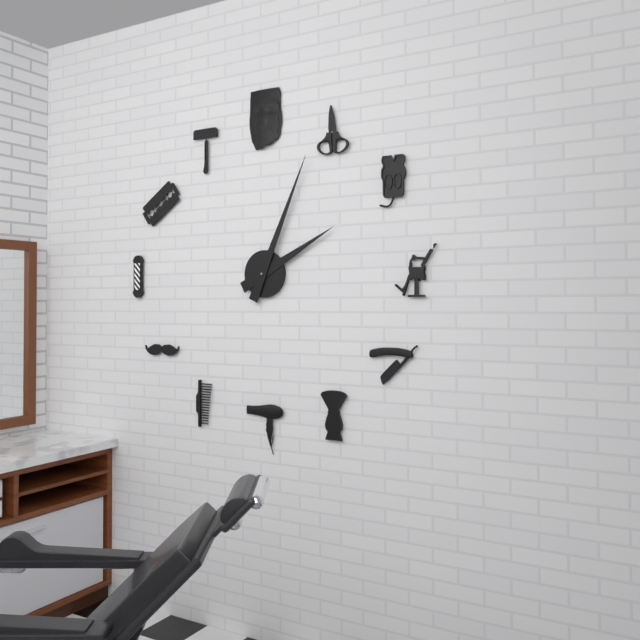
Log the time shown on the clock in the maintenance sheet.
2:04
